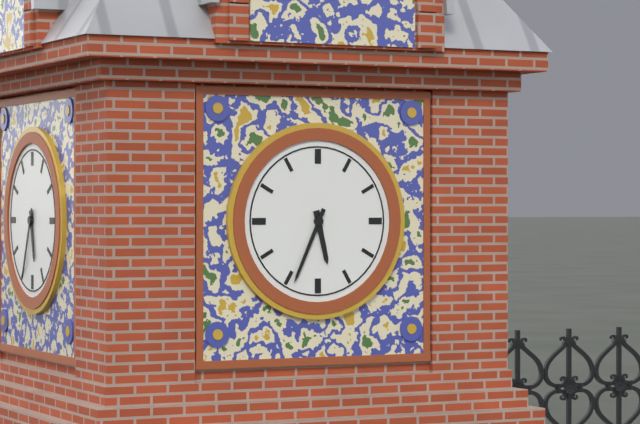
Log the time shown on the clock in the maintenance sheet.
5:34
